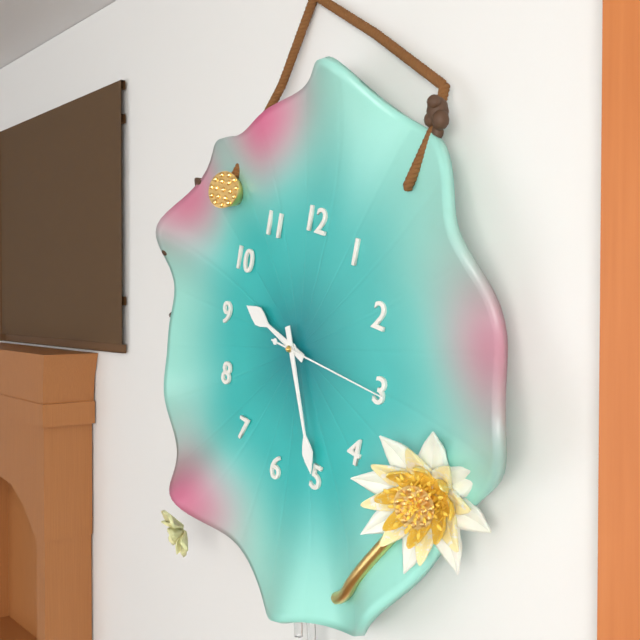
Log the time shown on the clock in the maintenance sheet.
9:25:15
